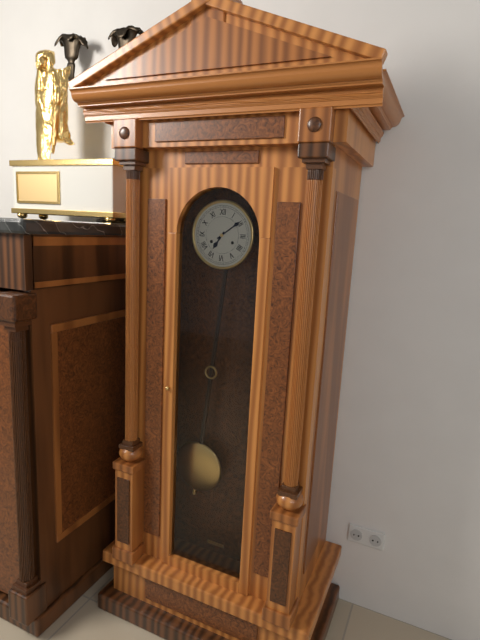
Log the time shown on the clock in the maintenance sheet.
7:09
